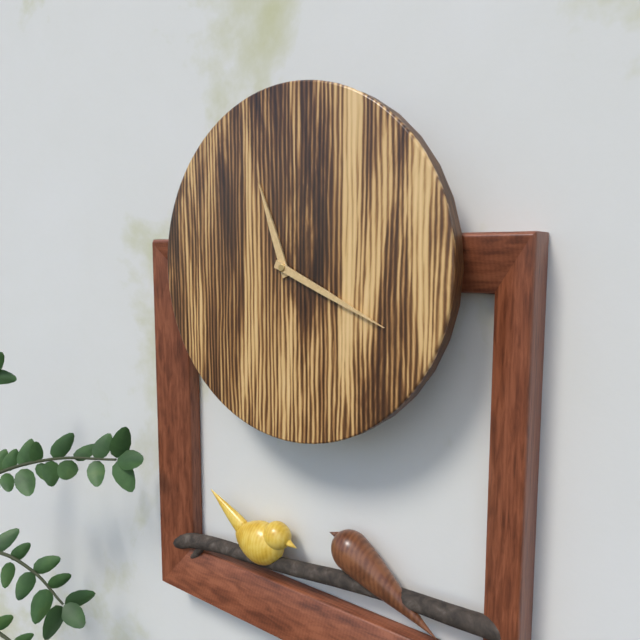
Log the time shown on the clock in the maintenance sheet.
11:19
